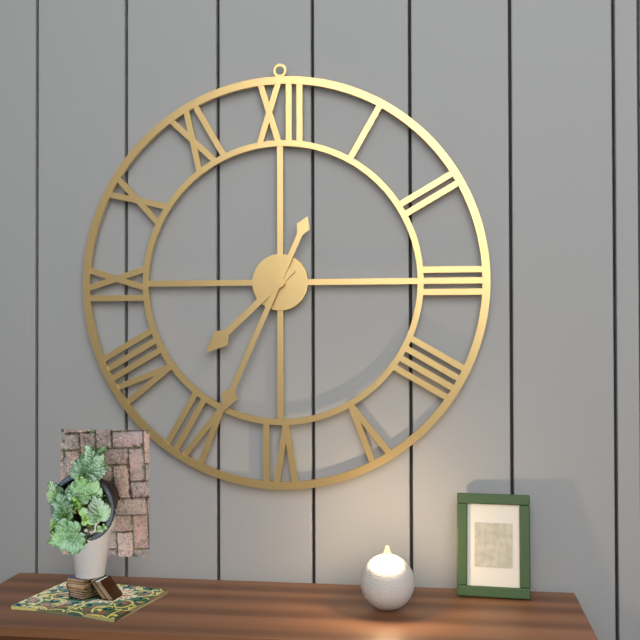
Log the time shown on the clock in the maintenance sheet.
7:34
